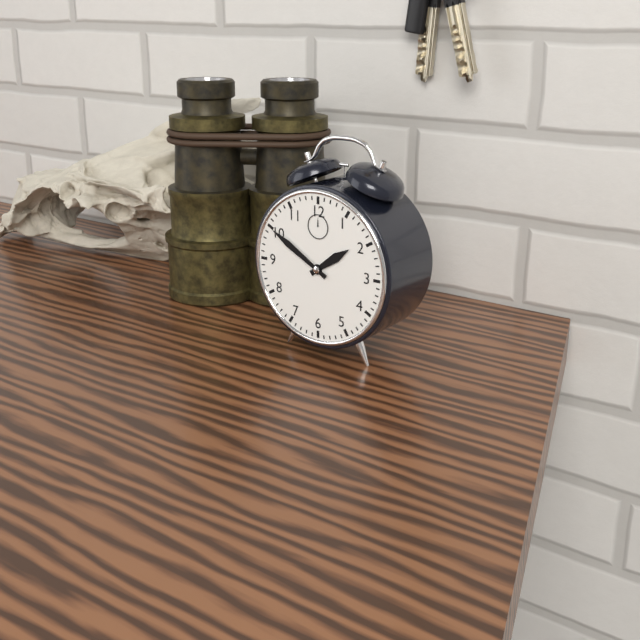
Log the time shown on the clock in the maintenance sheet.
1:50
